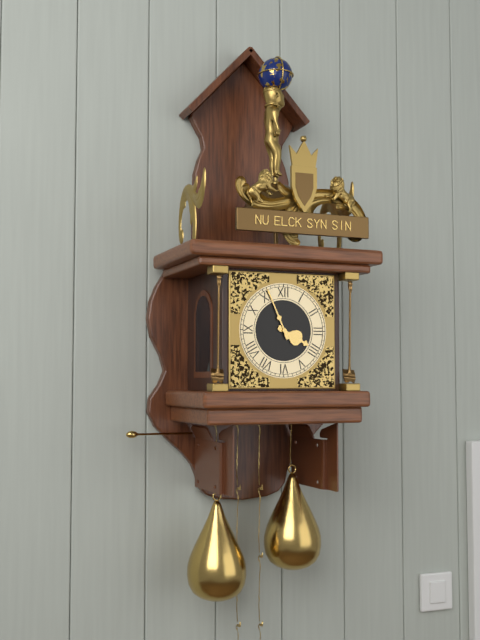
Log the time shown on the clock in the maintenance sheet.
3:56
